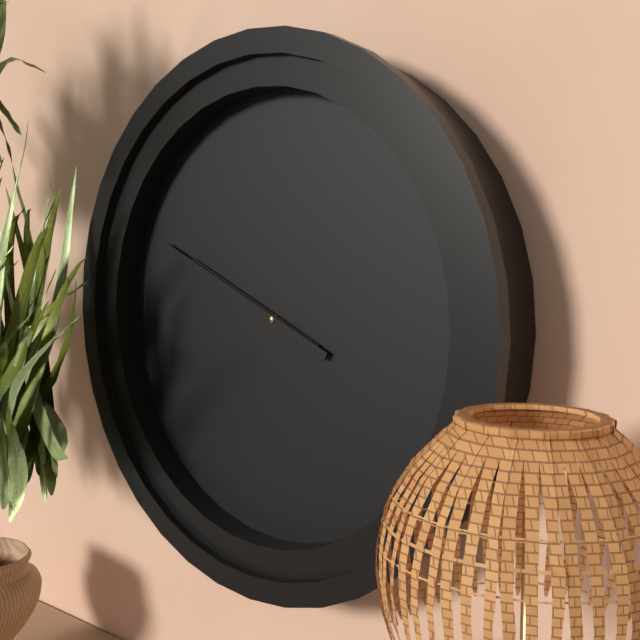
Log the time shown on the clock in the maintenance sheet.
9:49
